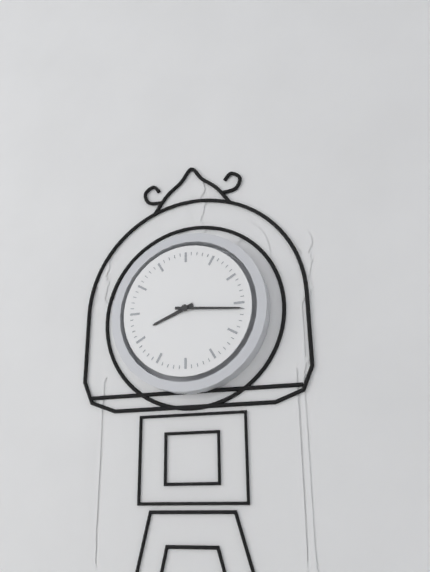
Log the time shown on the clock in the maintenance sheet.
8:16
